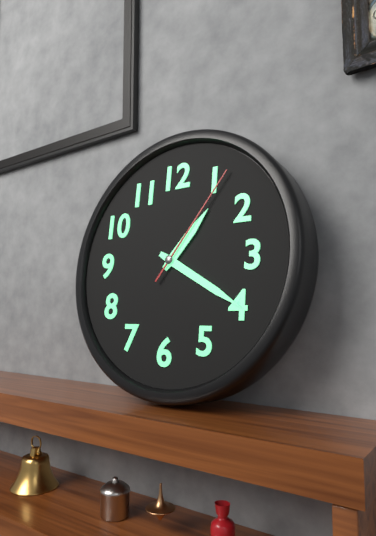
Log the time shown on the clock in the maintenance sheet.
1:20:06
